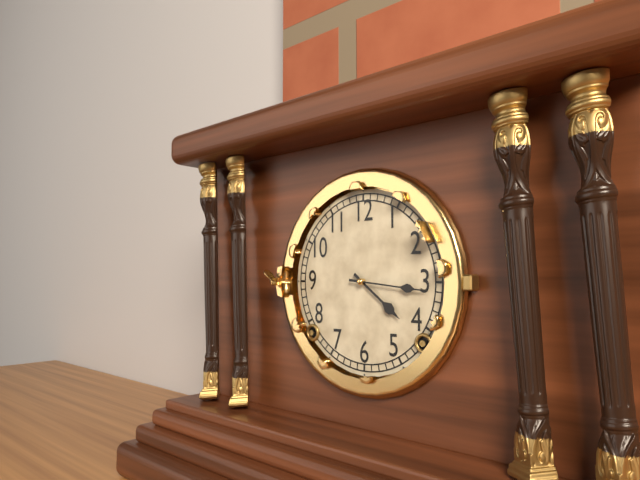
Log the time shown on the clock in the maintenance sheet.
4:16
